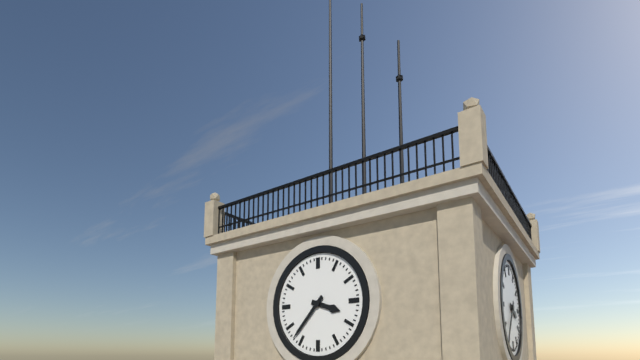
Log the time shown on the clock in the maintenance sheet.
3:37
